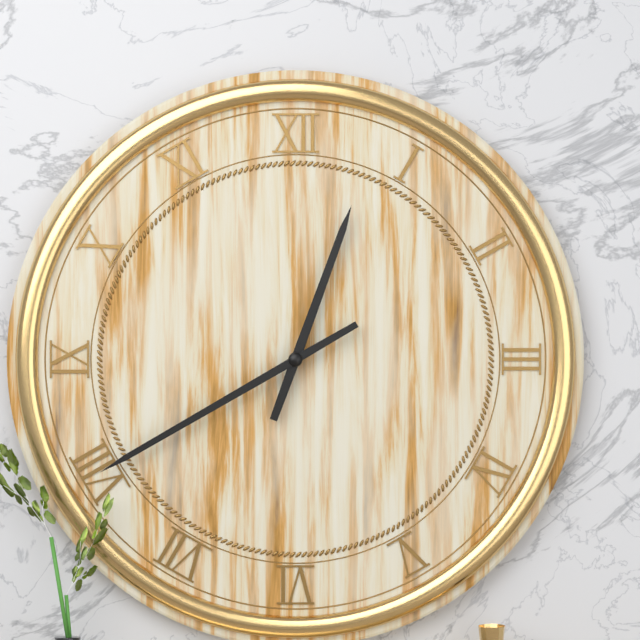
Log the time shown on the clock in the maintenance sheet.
12:40
